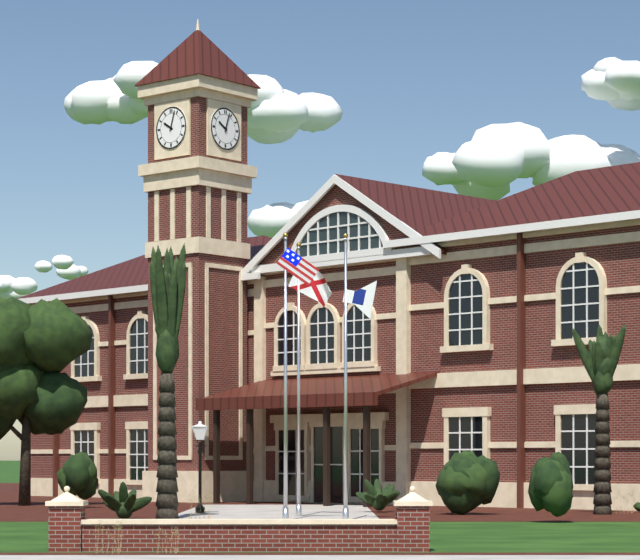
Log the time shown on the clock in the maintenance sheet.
10:03
